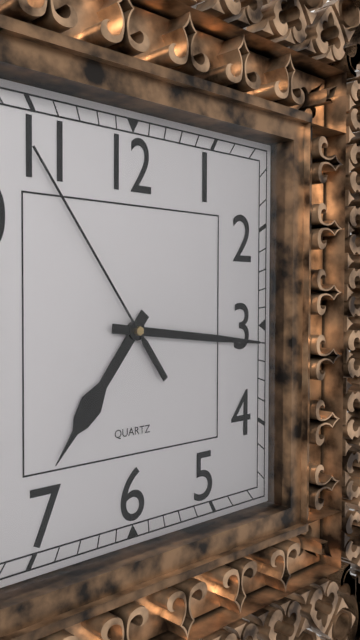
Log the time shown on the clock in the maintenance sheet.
7:16:54
